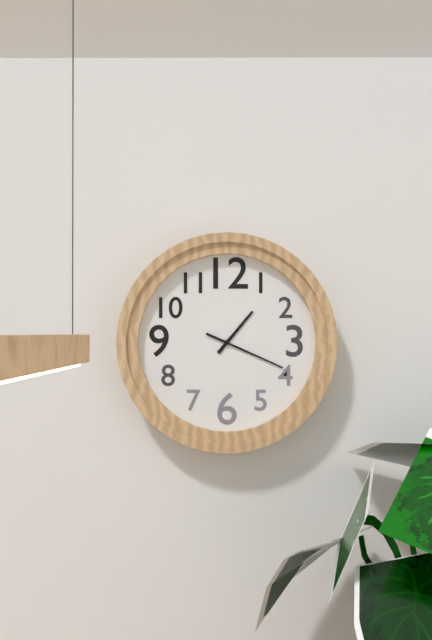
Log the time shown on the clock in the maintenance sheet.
1:19
